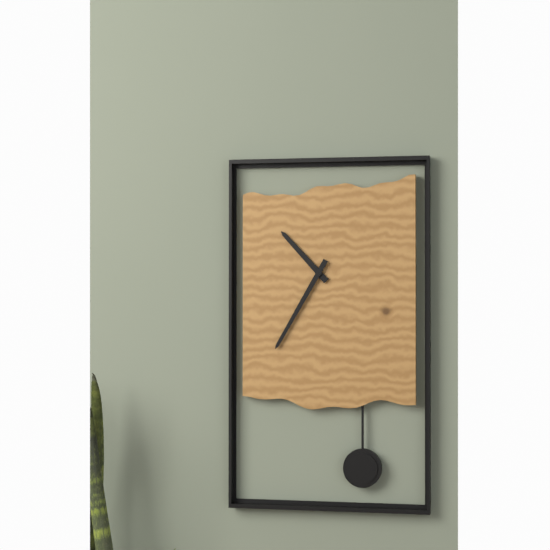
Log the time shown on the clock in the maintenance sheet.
10:35
